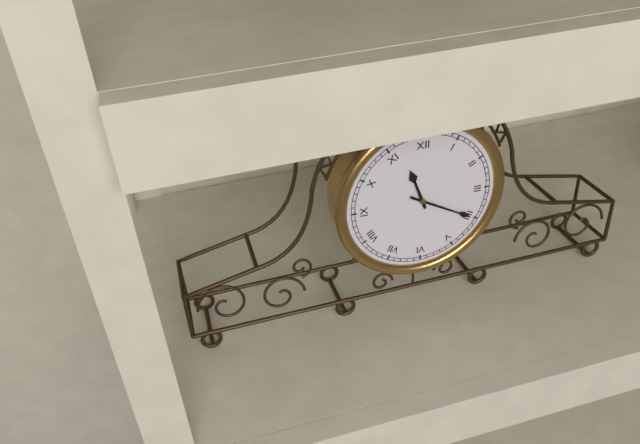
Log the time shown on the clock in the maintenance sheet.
11:20
